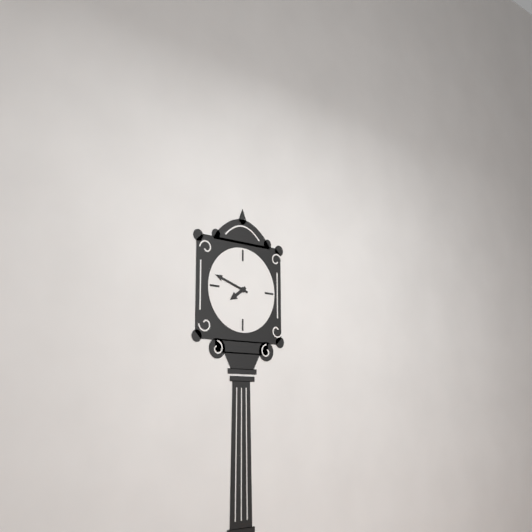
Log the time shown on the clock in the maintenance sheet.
7:48
